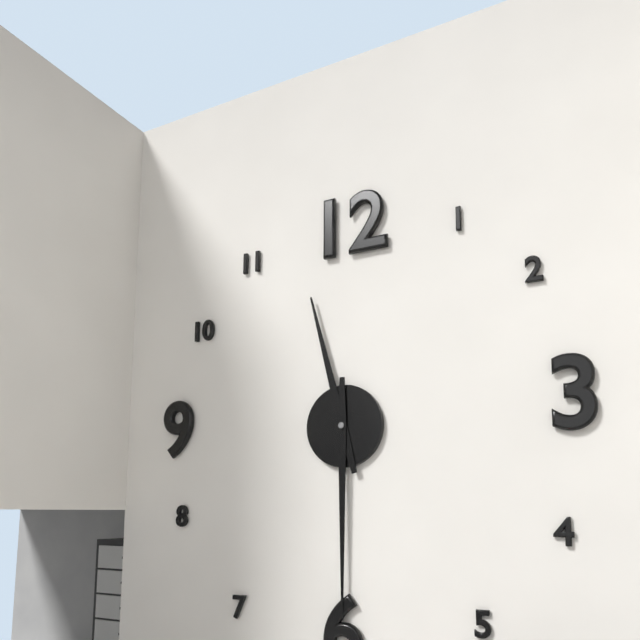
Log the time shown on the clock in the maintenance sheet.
11:30
